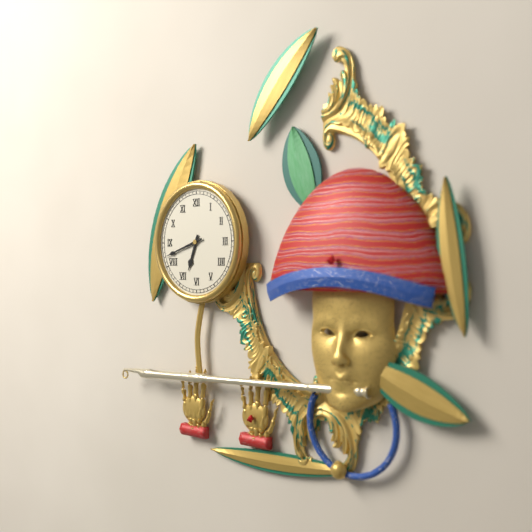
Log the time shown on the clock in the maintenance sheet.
6:42
